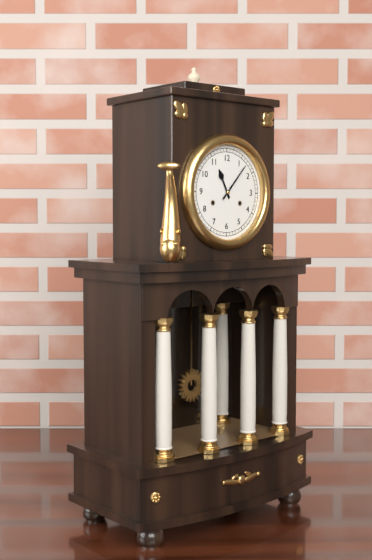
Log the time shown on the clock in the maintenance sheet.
11:07
